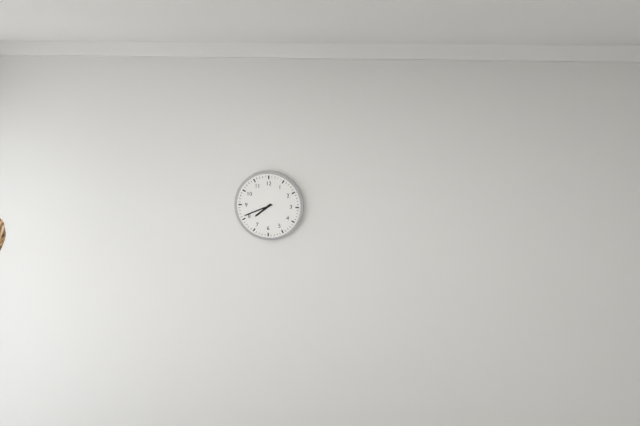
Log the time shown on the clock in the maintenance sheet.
7:41
